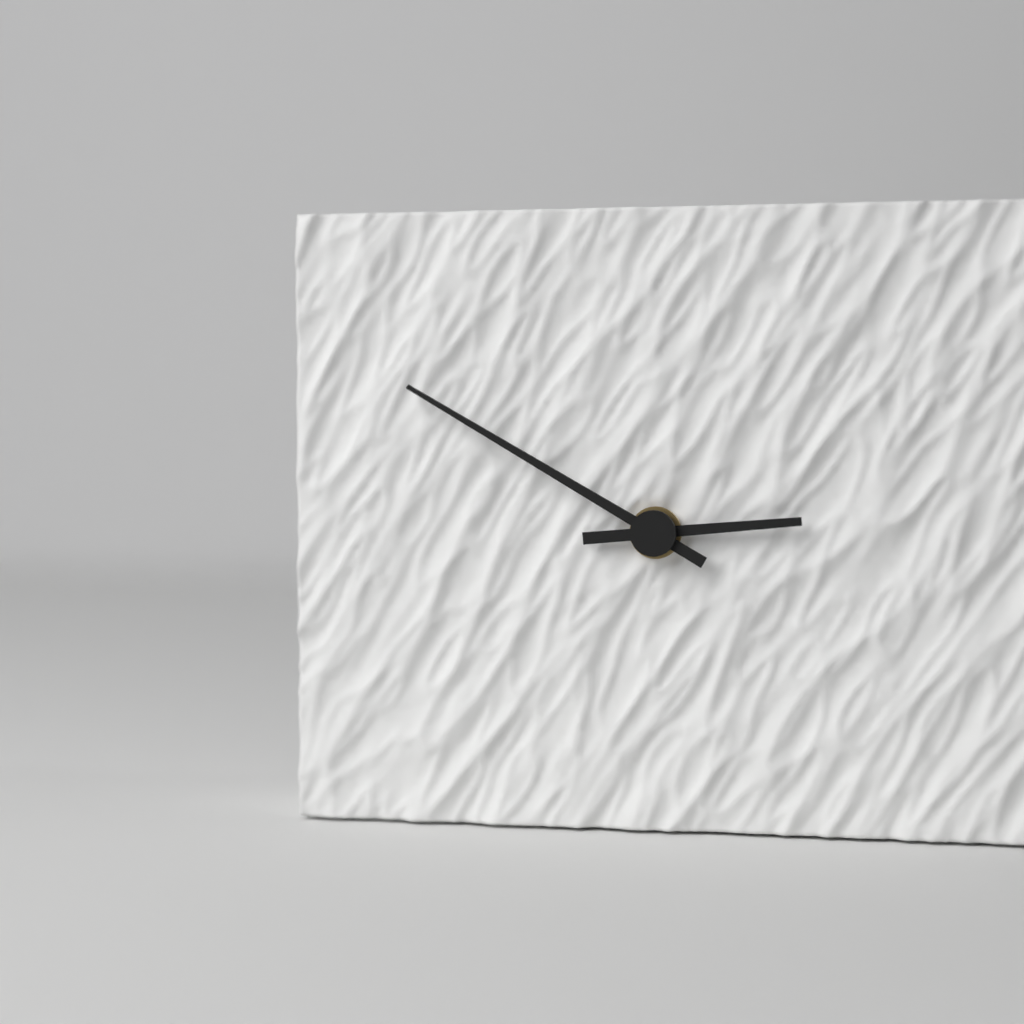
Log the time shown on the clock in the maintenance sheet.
2:50
